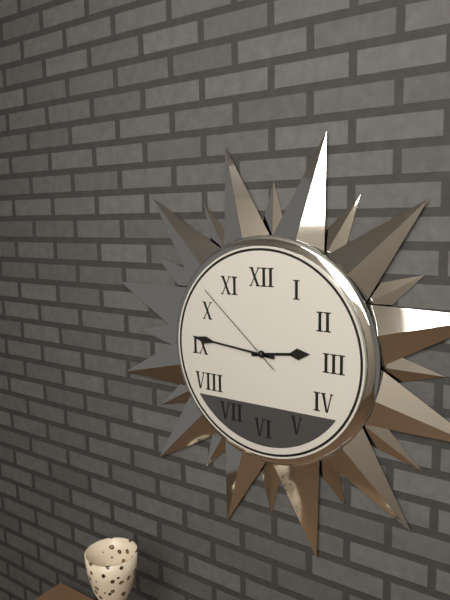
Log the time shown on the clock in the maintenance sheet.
2:46:52
